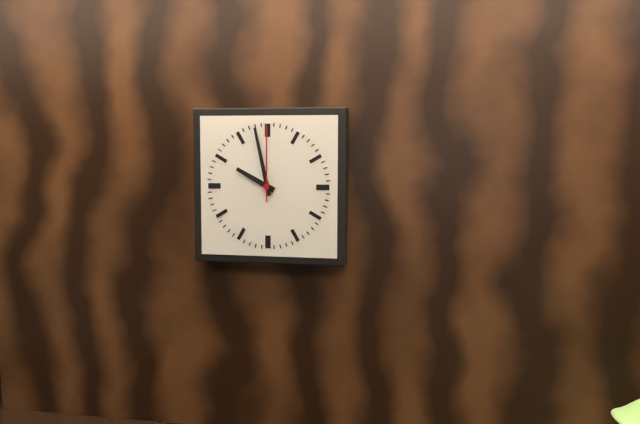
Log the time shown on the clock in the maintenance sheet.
9:58:00
